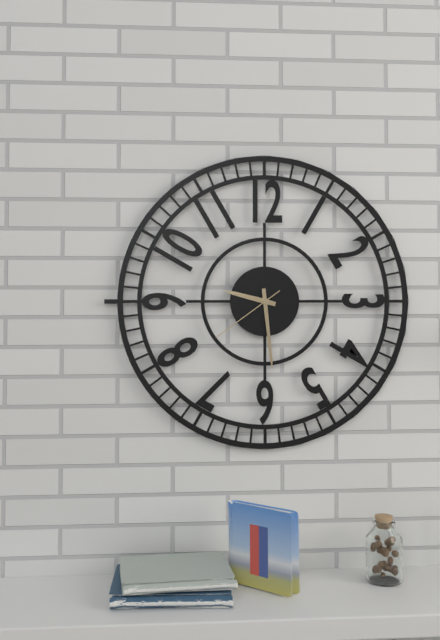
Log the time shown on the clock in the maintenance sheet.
9:29:39
